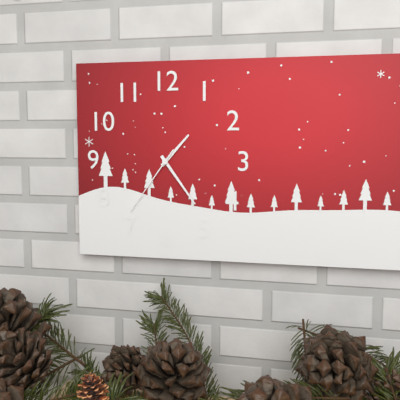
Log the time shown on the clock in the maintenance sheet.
1:24:36
